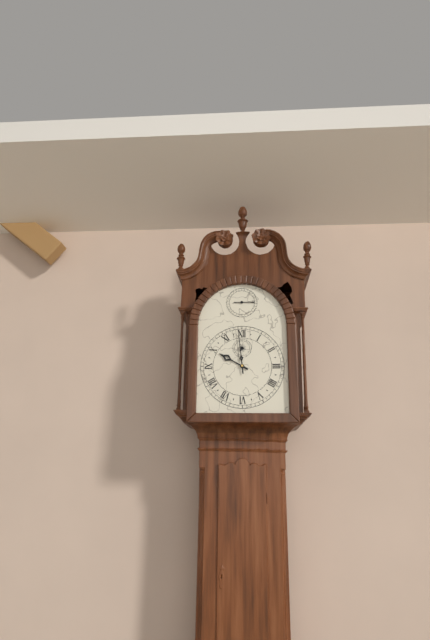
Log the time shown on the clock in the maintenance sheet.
9:59
